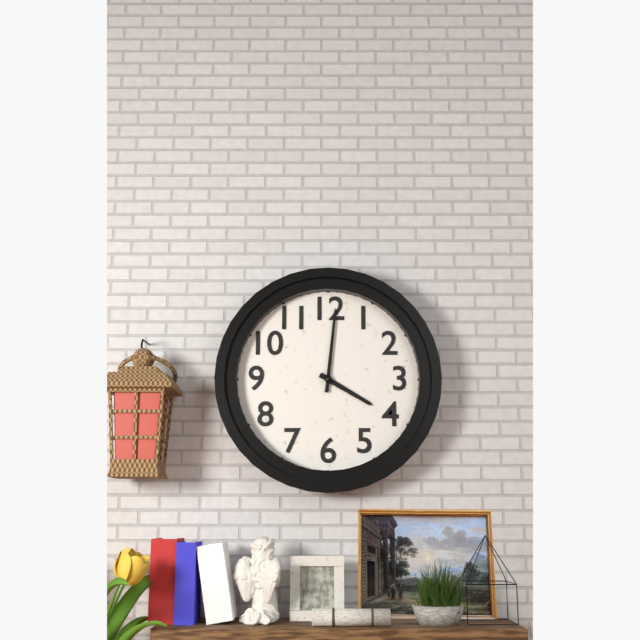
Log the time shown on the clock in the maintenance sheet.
4:01
